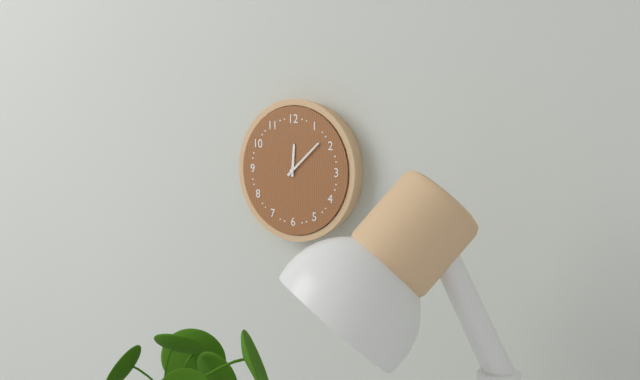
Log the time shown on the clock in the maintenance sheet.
12:08
